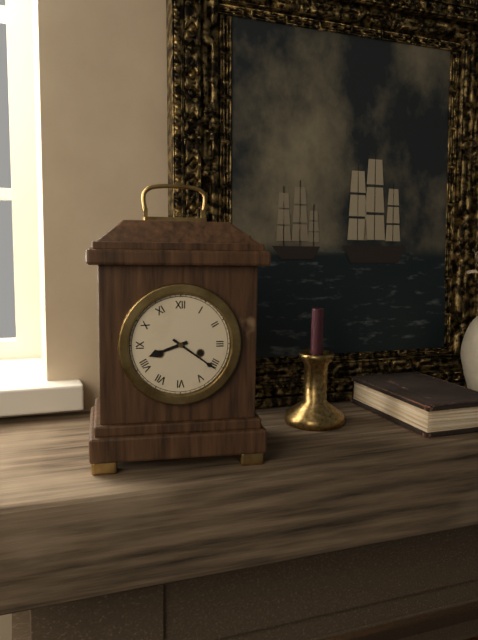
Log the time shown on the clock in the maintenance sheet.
8:21
